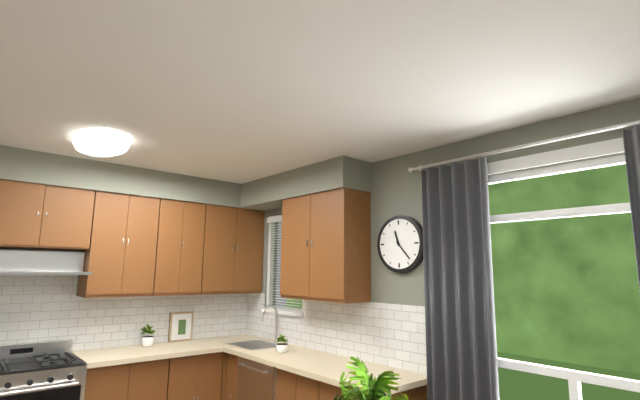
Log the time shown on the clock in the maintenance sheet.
11:23
